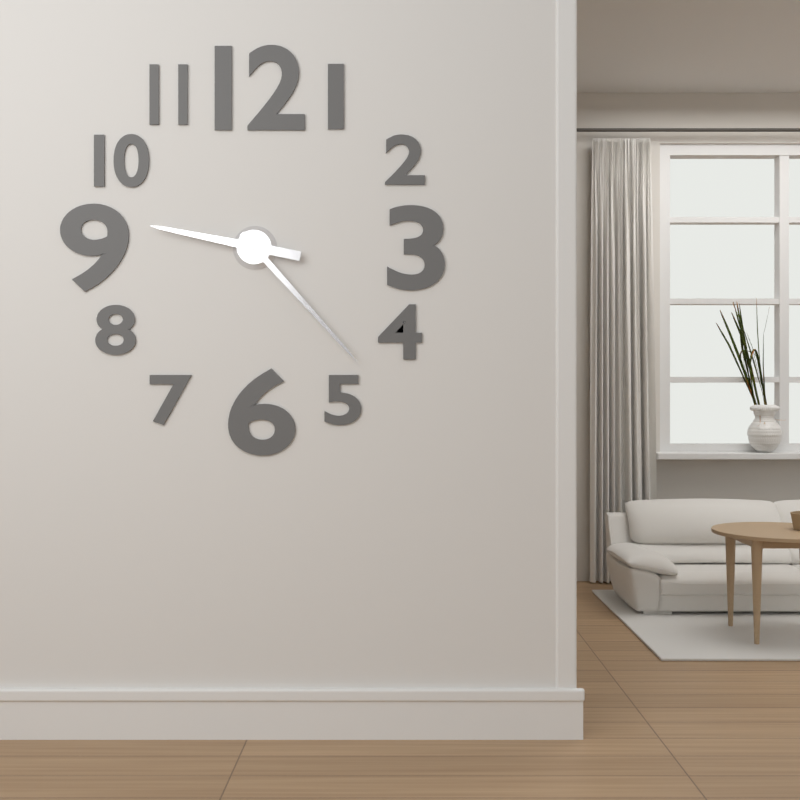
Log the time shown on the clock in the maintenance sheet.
9:23
